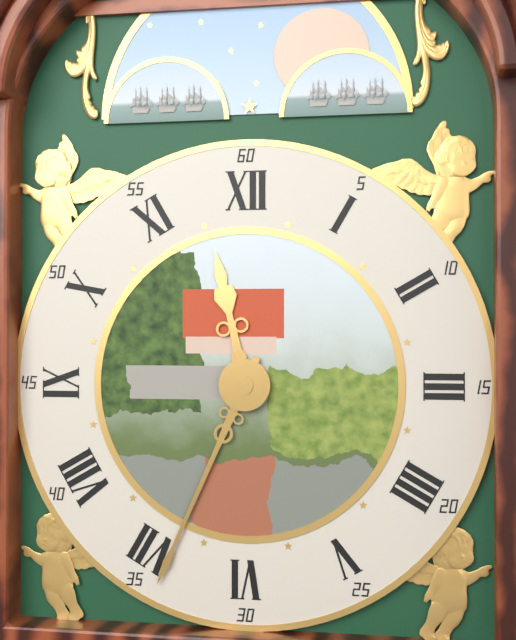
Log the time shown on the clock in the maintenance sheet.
11:34
